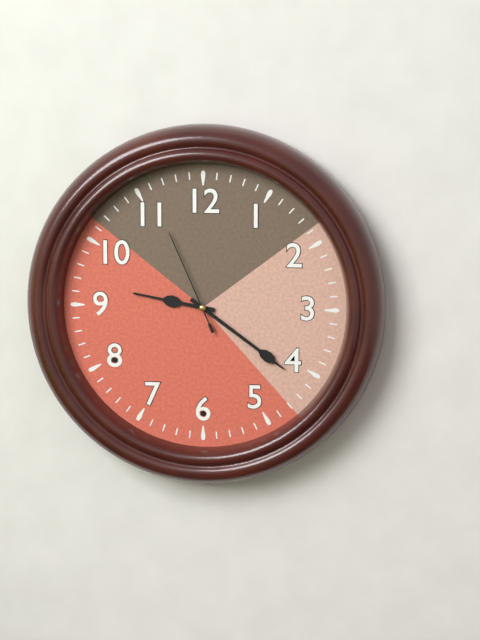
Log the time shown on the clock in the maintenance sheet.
9:21:56
